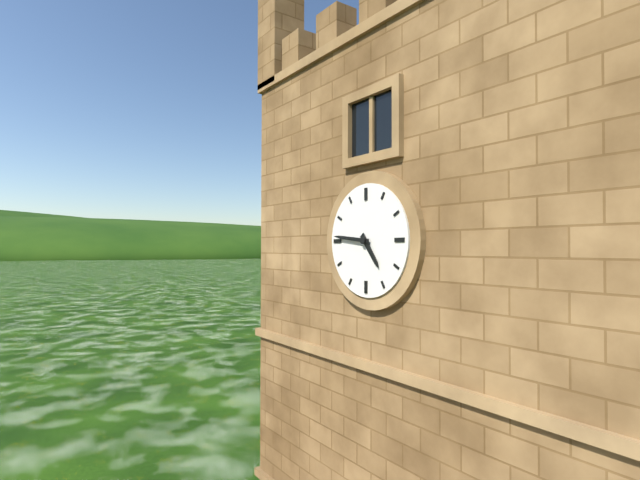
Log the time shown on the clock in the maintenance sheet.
4:46
